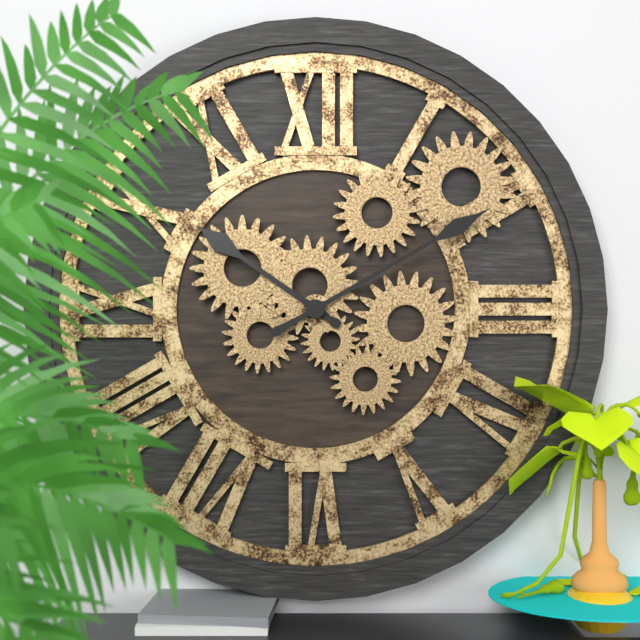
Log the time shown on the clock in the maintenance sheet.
10:10
